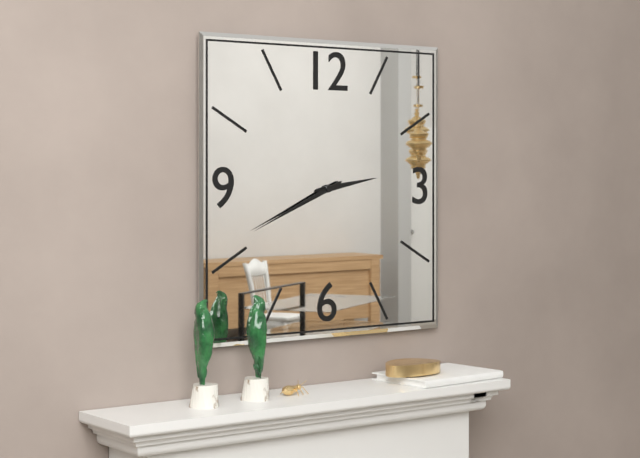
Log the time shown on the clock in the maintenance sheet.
2:41
